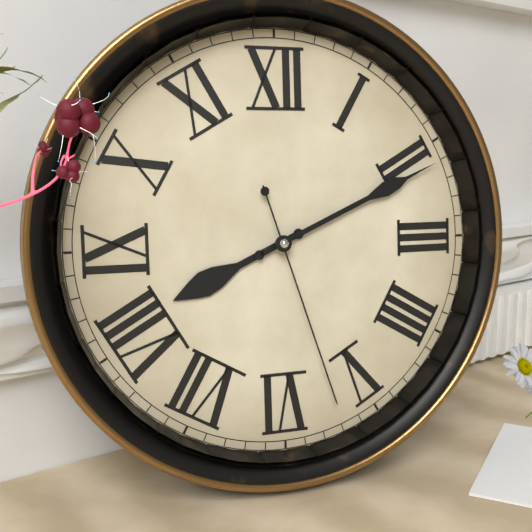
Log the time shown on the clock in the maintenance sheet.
8:11:27
